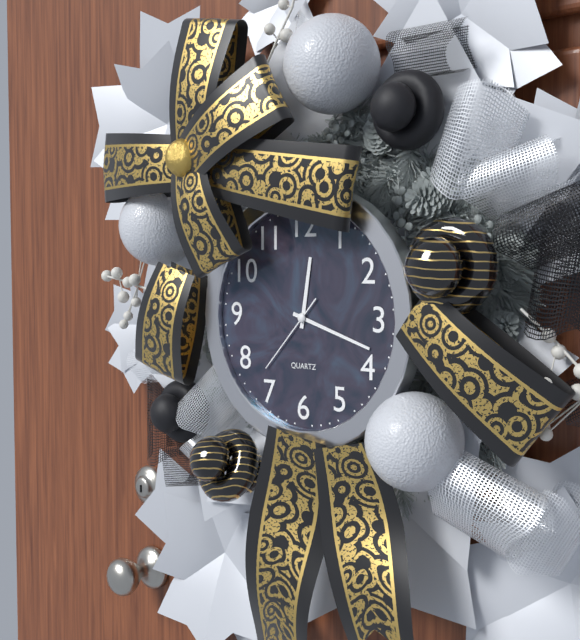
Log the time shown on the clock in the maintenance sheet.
12:18:37
